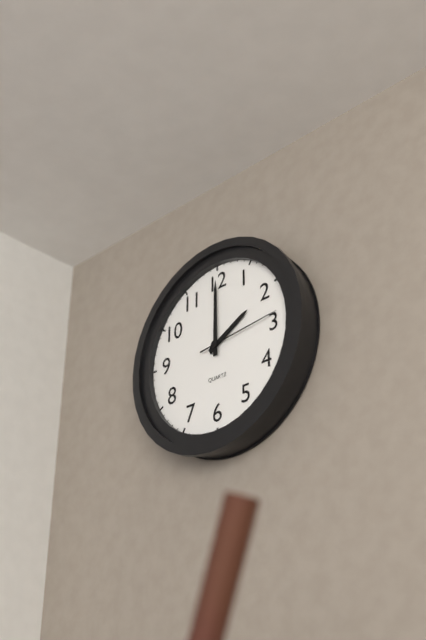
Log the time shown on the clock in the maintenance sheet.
2:00:14
